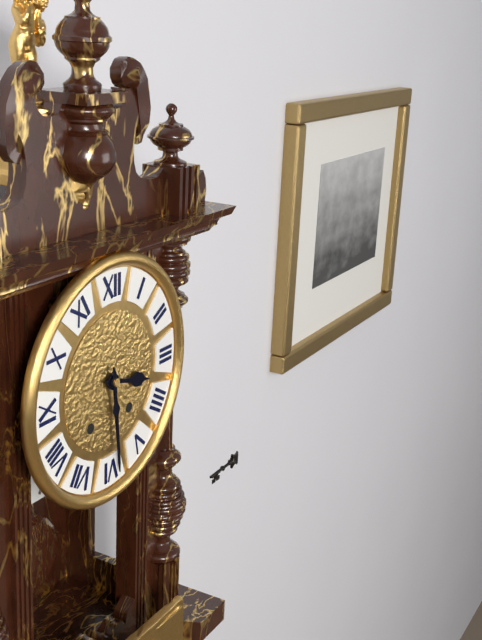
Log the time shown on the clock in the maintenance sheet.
3:29
